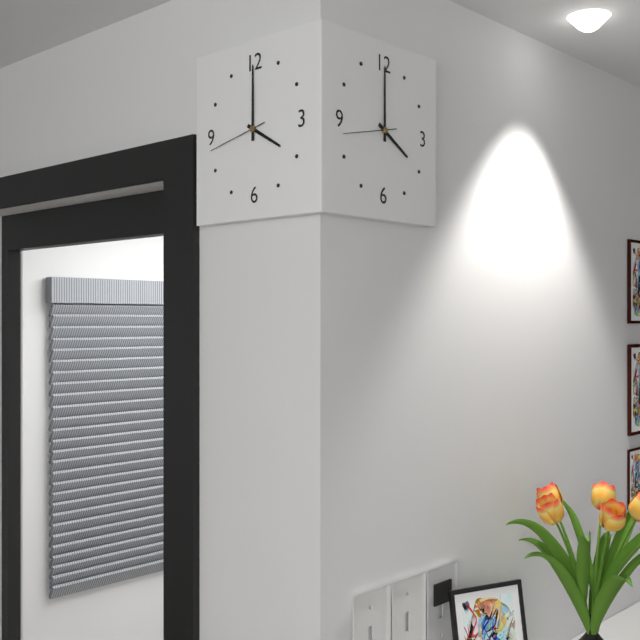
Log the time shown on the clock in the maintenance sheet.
4:00:43
